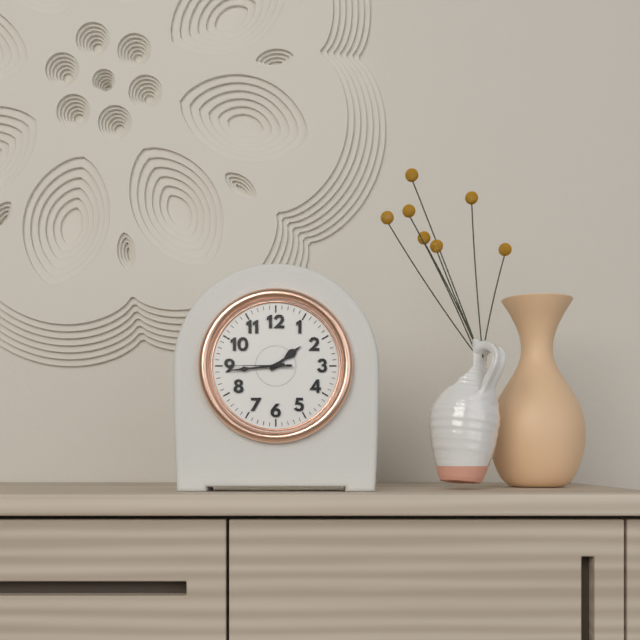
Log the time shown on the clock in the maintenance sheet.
1:44:45
